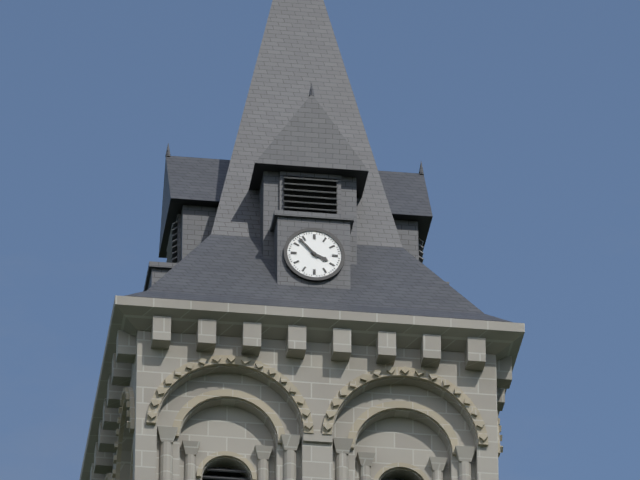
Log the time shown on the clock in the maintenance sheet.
3:53
